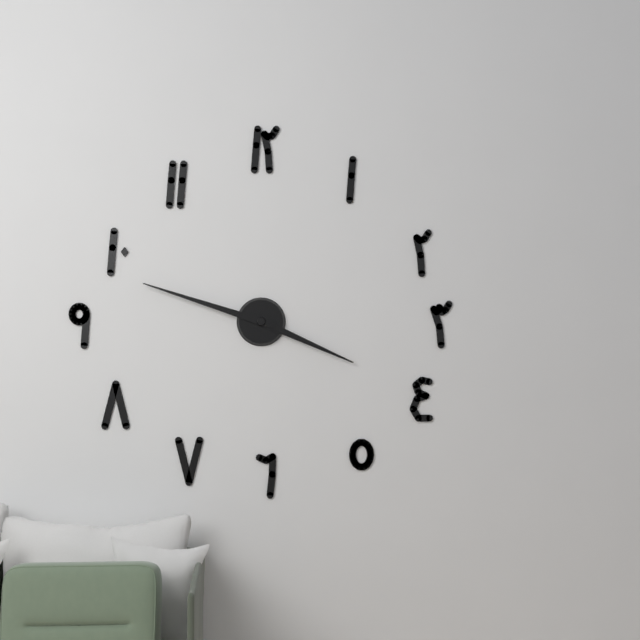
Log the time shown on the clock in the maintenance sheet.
3:48
